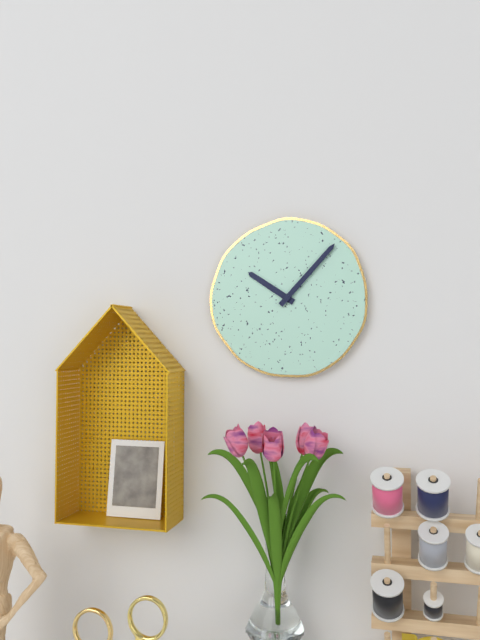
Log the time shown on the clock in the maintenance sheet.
10:07
